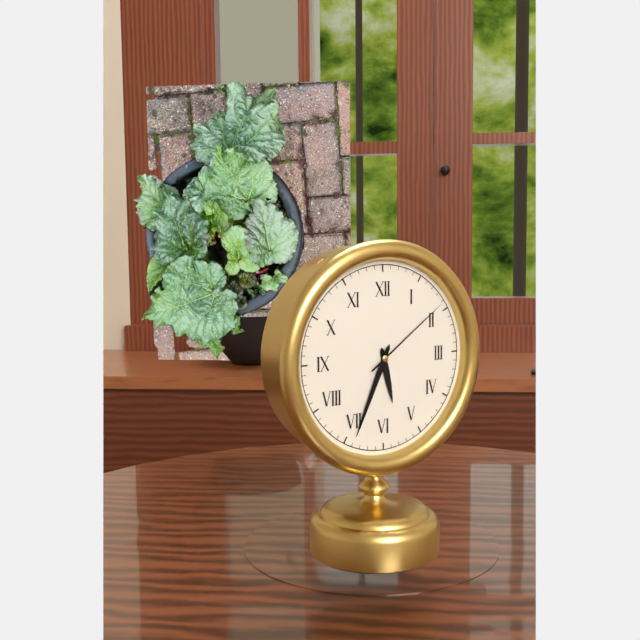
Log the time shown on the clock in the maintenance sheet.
5:34:09
